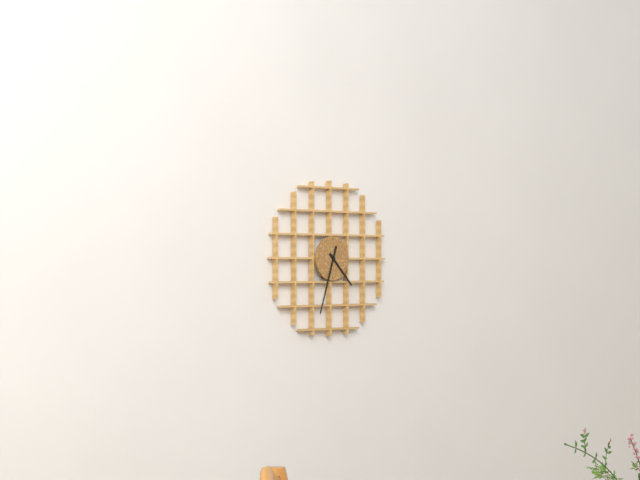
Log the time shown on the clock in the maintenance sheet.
4:33
